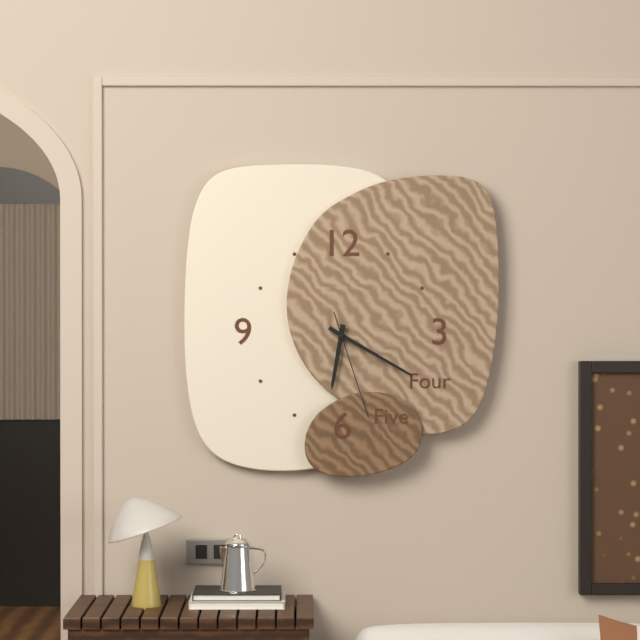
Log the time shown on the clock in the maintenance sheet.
6:20:27
